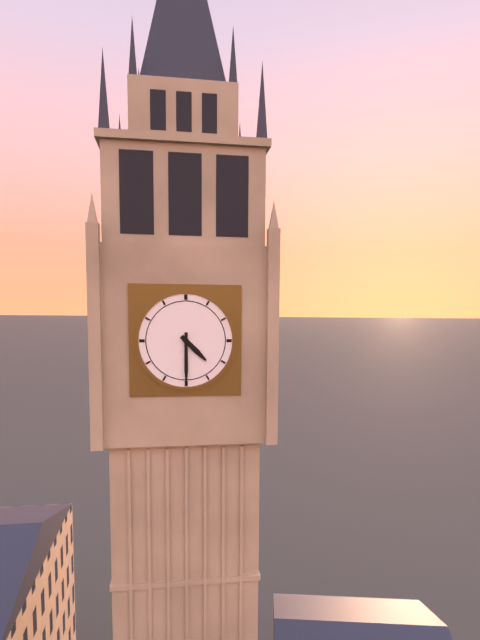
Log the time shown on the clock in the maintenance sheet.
4:30
